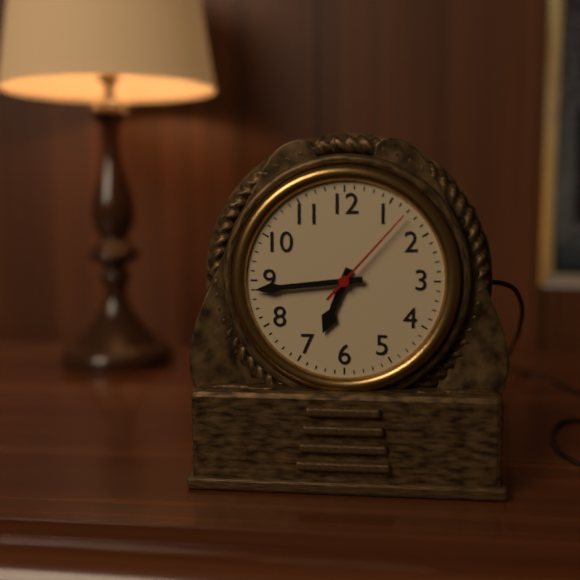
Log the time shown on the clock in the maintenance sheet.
6:44:07
